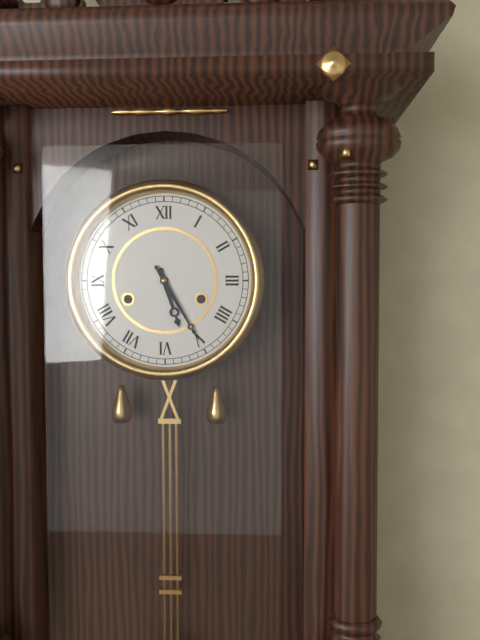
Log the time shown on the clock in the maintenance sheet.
5:25
